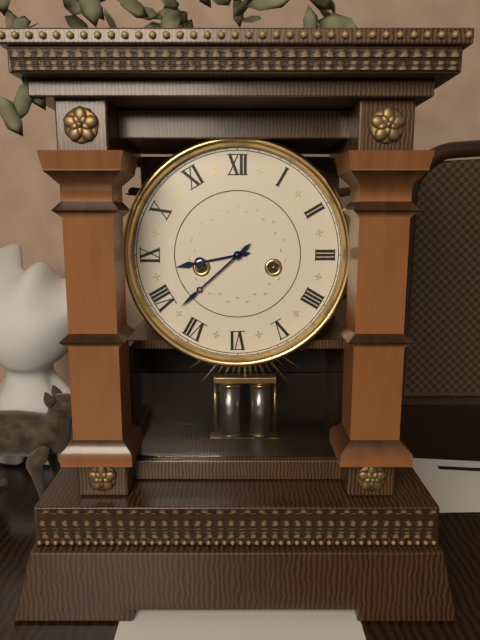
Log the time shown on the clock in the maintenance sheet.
8:38
